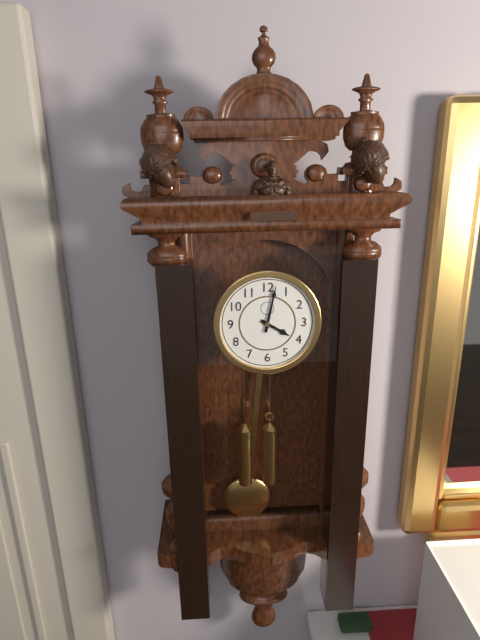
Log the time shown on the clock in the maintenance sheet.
4:02
